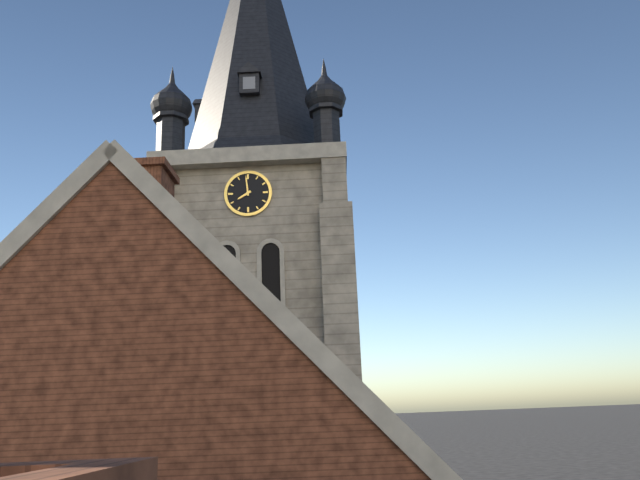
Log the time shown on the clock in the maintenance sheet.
7:59
